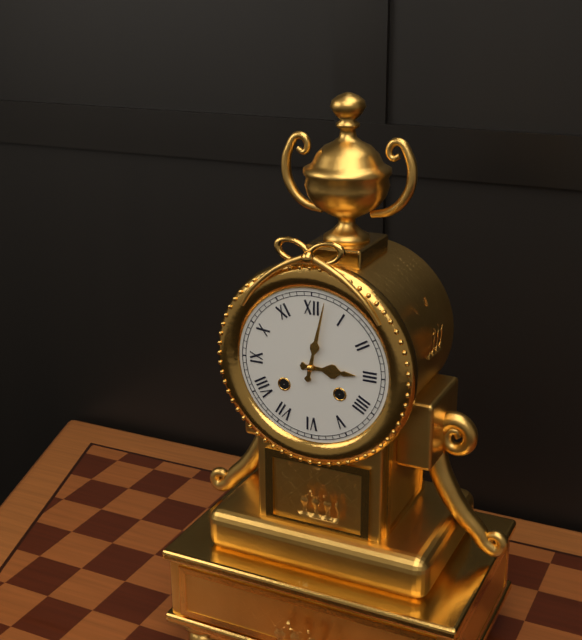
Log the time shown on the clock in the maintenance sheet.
3:02
